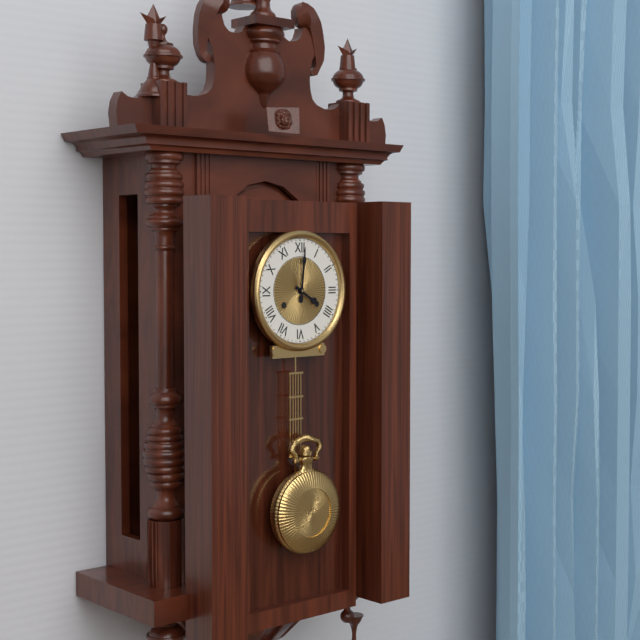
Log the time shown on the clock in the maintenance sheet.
4:01
